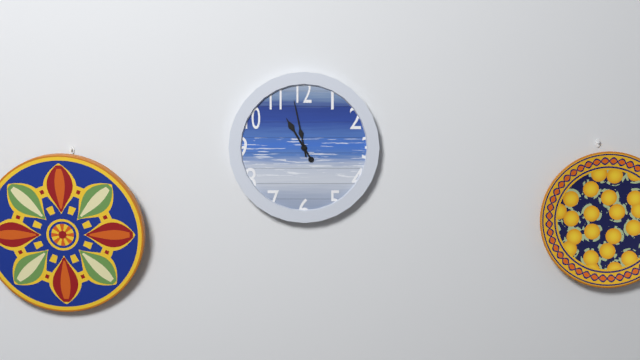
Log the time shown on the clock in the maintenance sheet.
10:58
